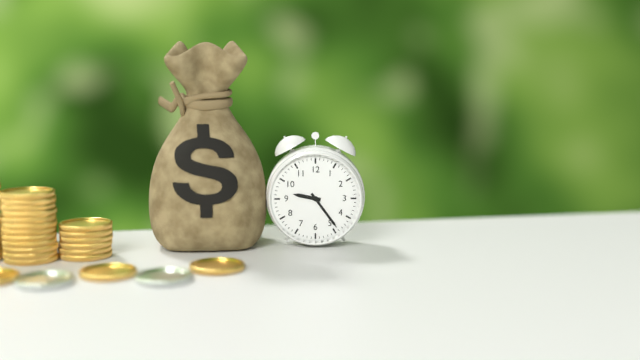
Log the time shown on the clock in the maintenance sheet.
9:24
